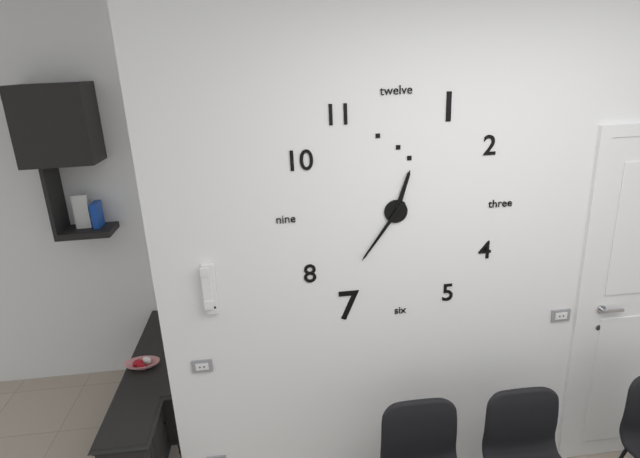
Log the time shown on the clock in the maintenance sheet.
12:36
